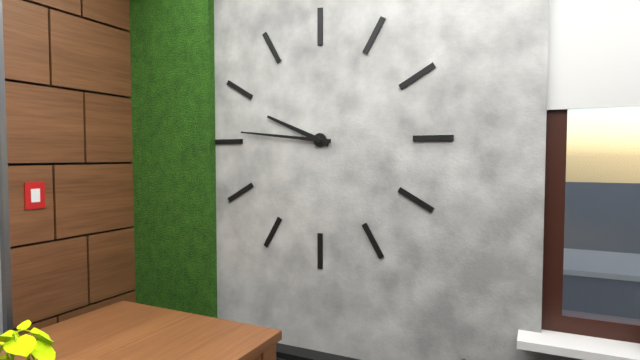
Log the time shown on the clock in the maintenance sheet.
9:46
